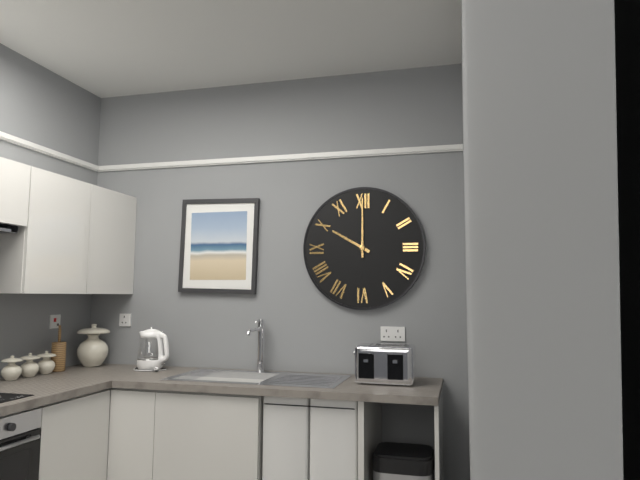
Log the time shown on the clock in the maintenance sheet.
10:00
